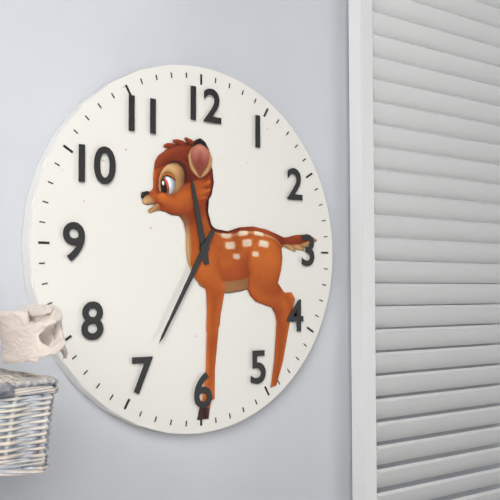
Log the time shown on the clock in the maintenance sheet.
11:35
